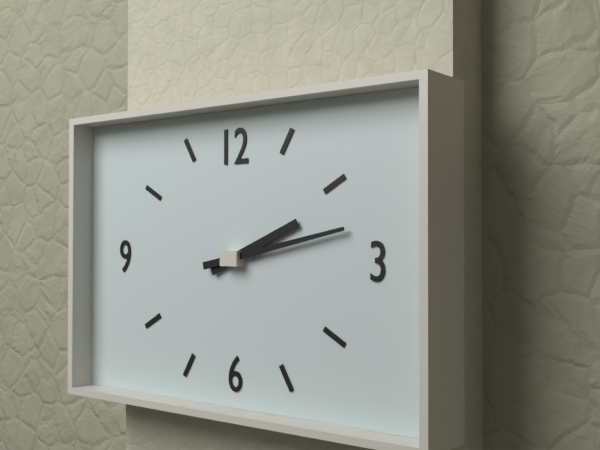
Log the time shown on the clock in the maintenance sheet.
2:13
